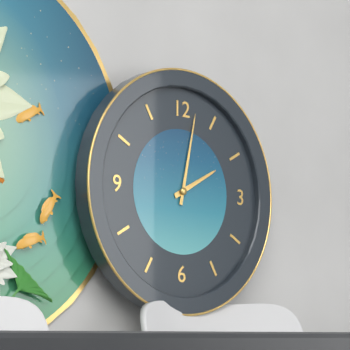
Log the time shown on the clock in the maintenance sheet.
2:02
